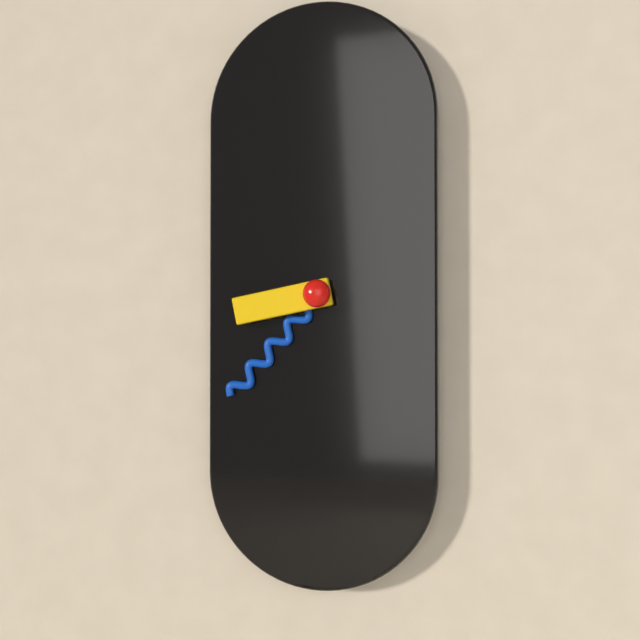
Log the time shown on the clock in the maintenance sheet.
8:37
